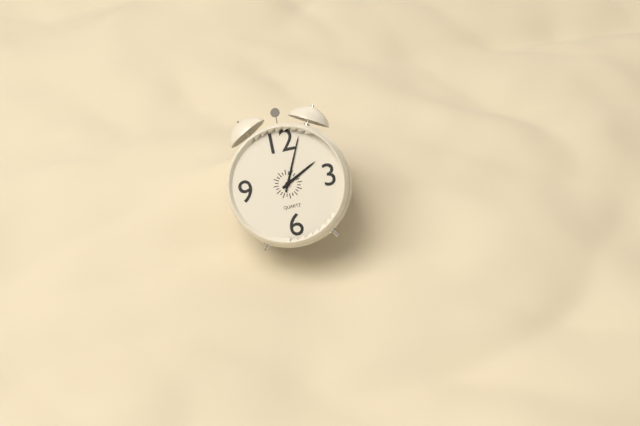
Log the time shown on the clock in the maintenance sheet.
2:04
